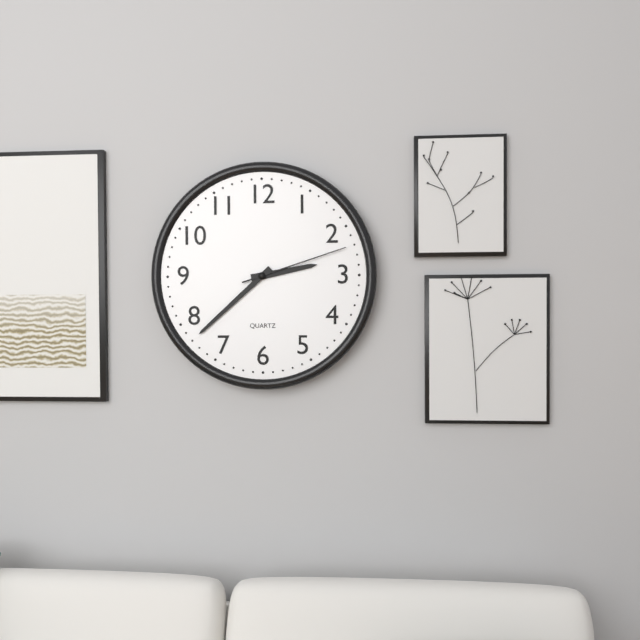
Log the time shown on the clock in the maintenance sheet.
2:38:12
